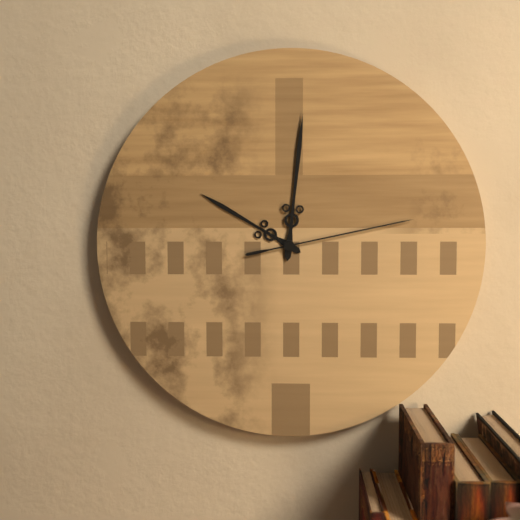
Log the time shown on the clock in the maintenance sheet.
10:01:13
